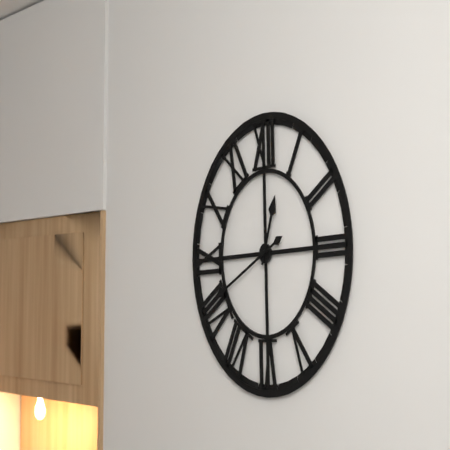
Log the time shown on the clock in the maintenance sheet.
12:41
